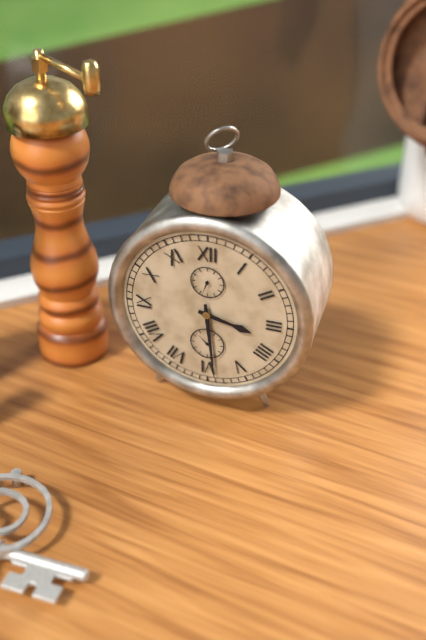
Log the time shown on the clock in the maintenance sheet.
3:29
